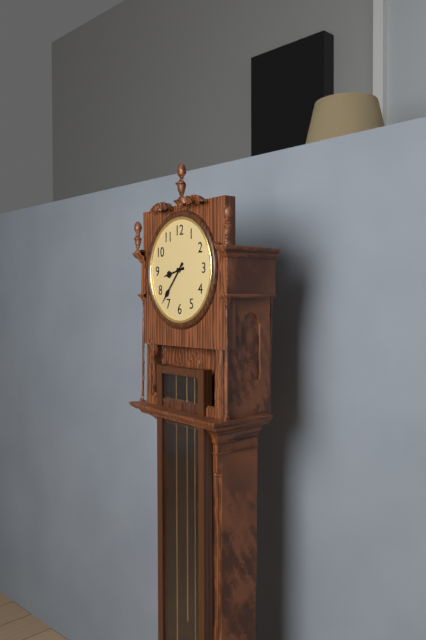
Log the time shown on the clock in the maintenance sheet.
8:37
